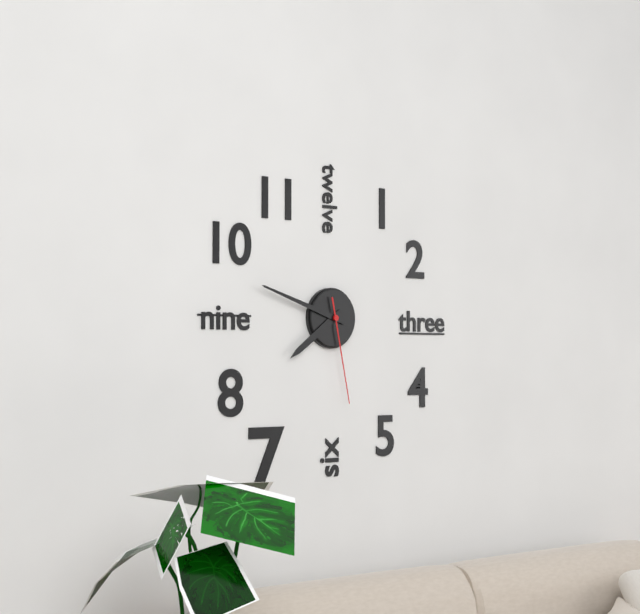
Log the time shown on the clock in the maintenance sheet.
7:48:28
